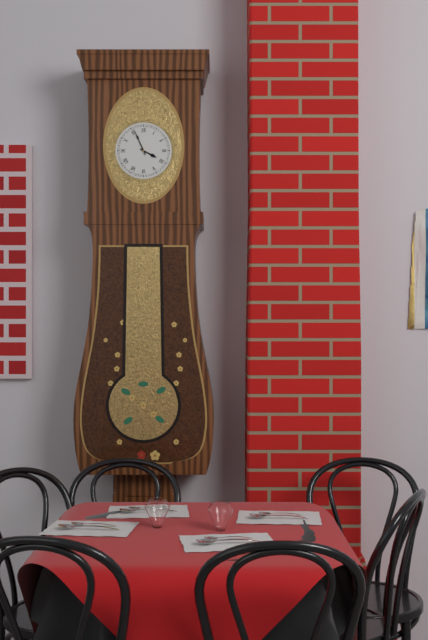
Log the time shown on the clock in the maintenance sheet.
3:56
